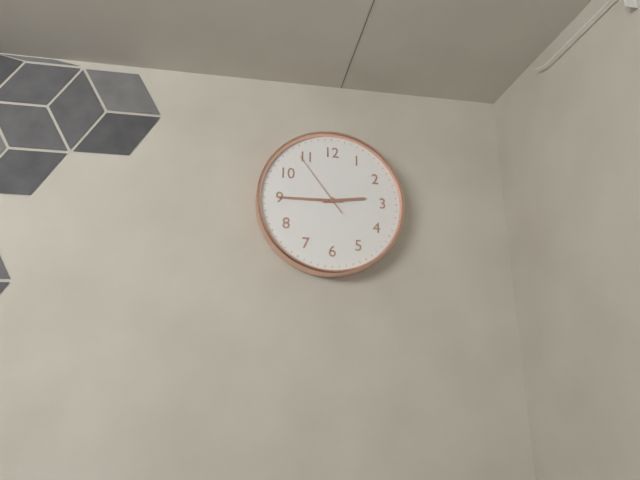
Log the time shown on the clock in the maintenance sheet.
2:45:54
